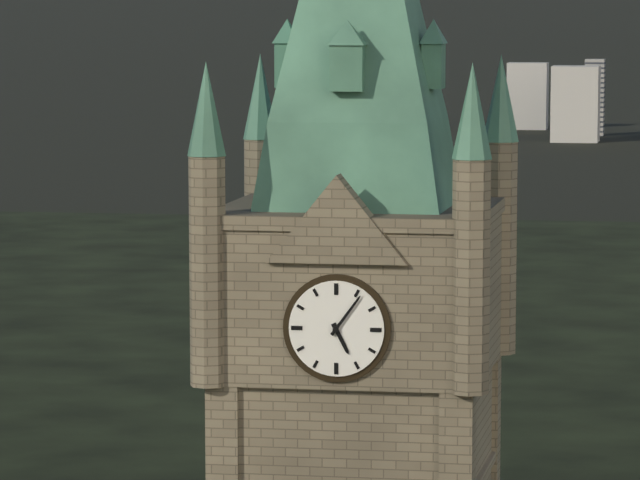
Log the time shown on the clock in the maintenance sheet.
5:06
